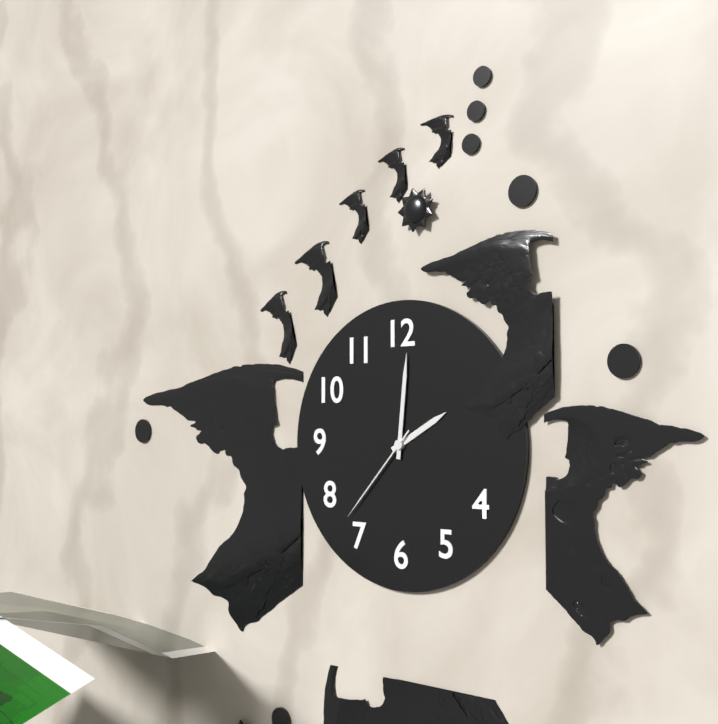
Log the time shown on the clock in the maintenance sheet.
2:01:37
